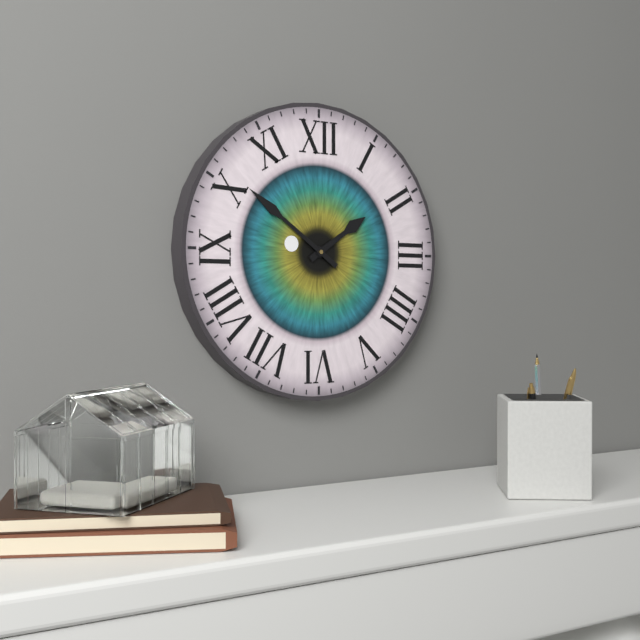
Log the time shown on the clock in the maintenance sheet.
1:51
